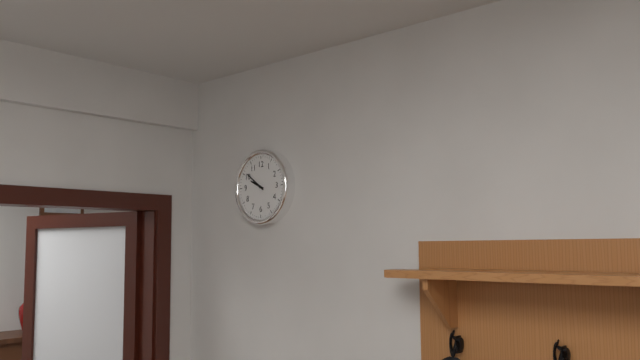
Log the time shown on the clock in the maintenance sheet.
9:51
